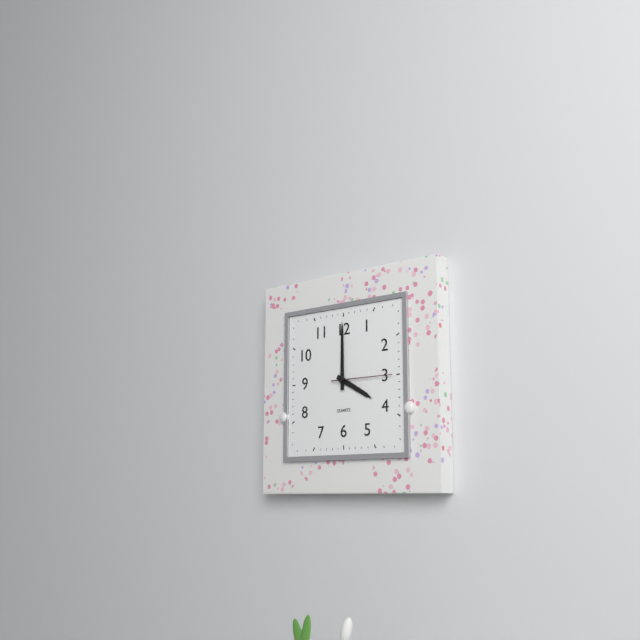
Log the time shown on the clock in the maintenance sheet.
4:00:15
